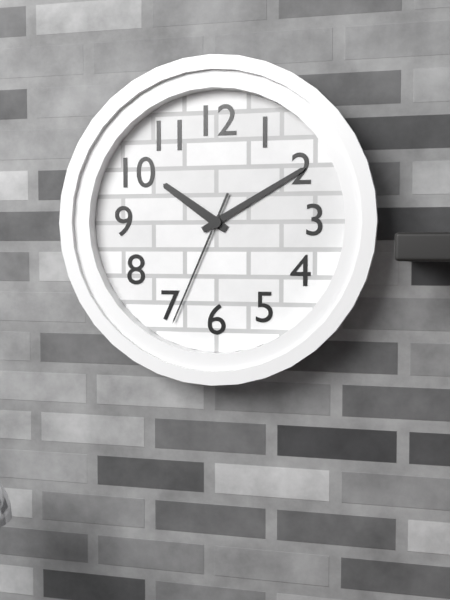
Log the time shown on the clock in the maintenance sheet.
10:10:34
